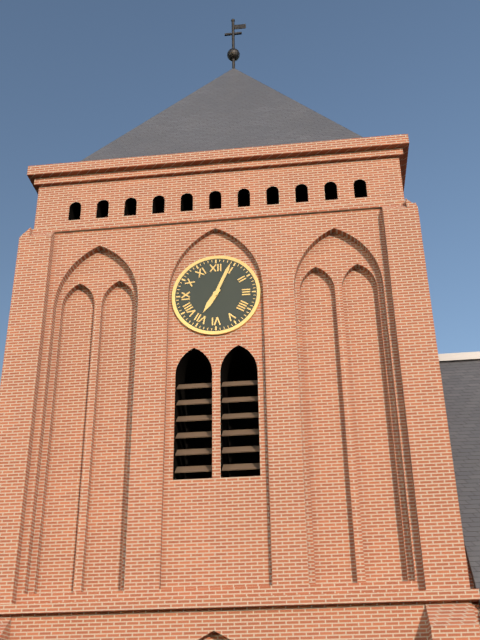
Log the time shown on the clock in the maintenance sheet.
7:04
